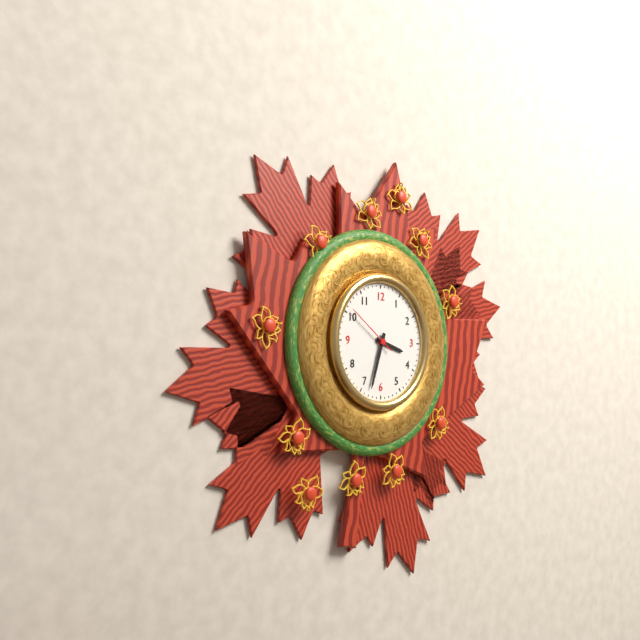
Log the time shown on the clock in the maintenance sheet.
3:33:51
